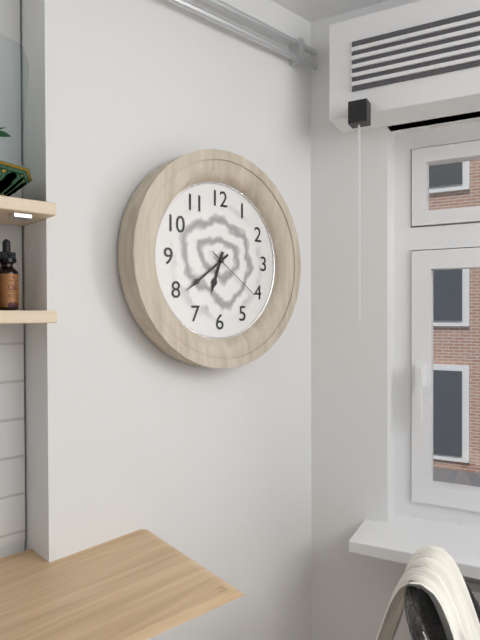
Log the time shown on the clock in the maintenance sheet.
6:39:21
